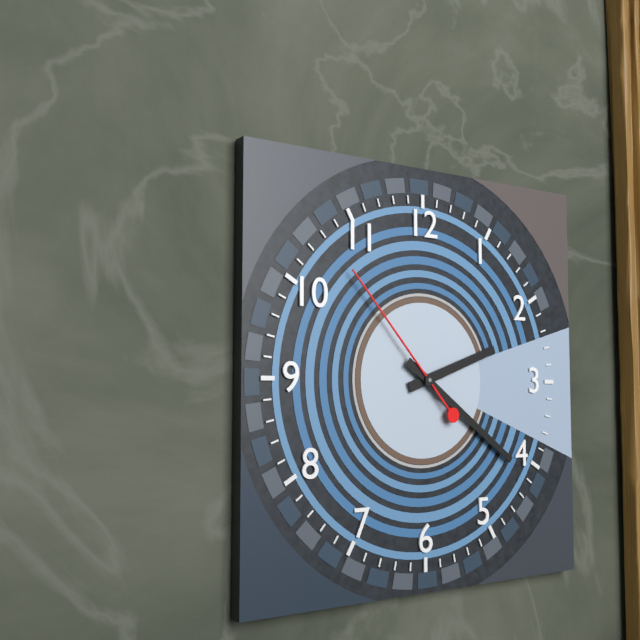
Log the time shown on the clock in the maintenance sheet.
2:21:53
